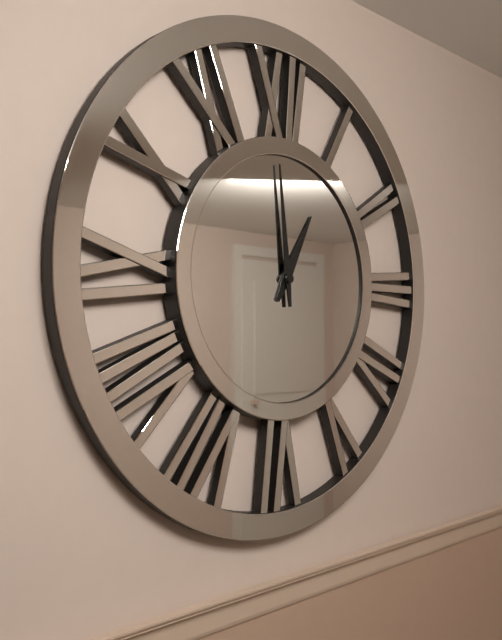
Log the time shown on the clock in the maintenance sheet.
12:59
